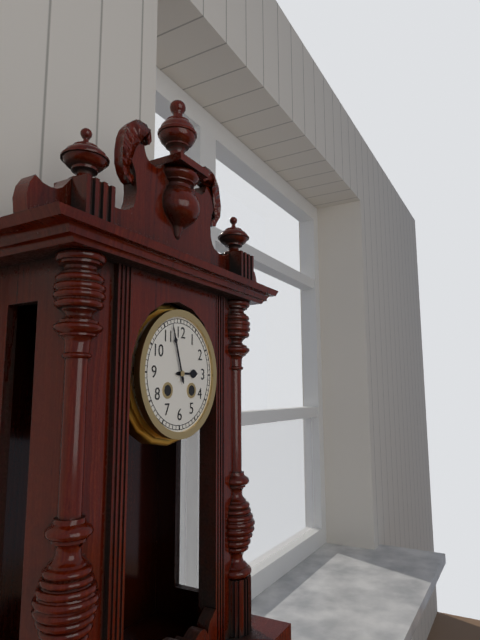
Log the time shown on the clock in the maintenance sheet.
2:57
